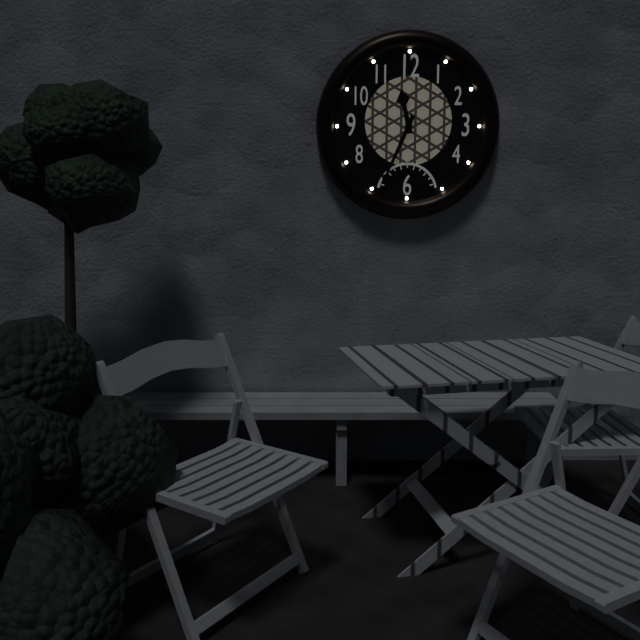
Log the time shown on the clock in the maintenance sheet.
11:34
